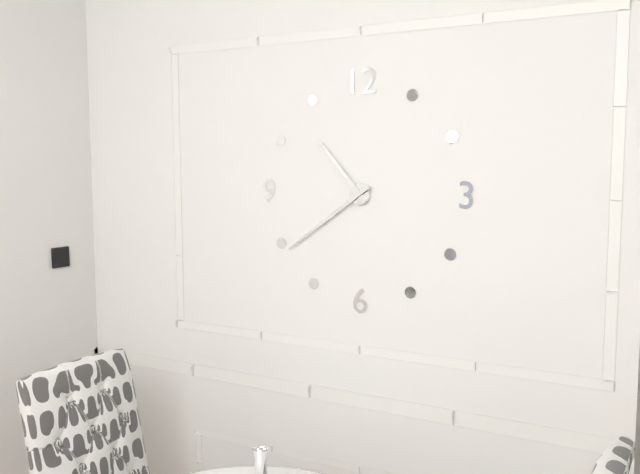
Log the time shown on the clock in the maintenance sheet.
10:39
